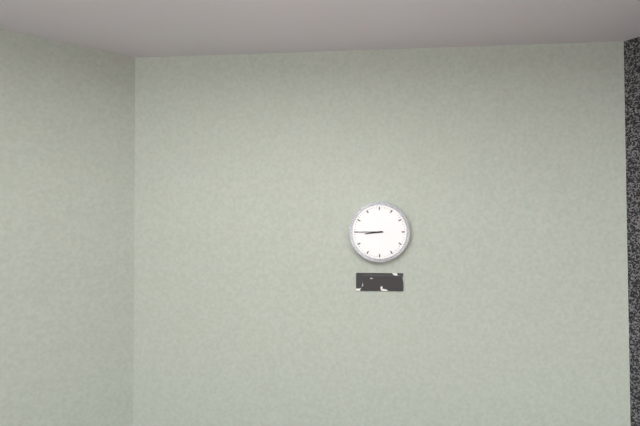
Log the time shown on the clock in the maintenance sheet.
8:45
